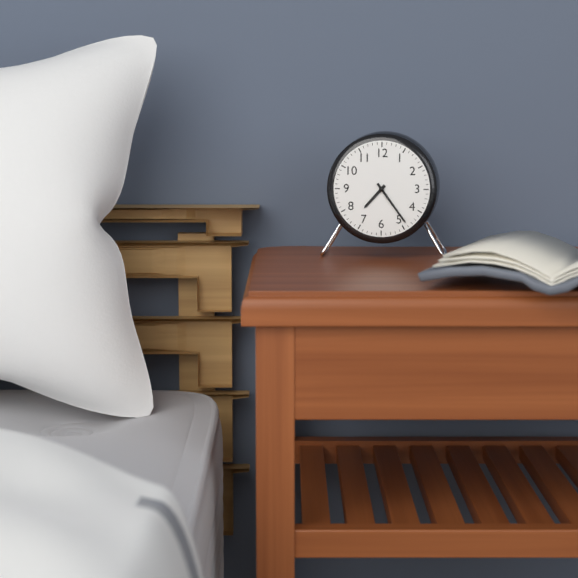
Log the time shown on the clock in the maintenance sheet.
7:24
